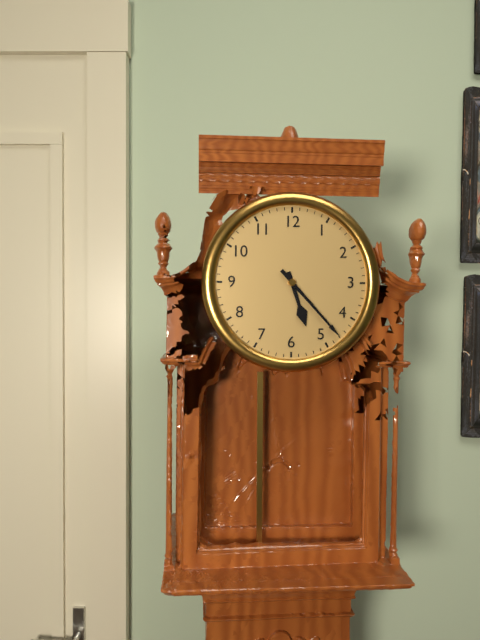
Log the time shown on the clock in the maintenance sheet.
5:23
